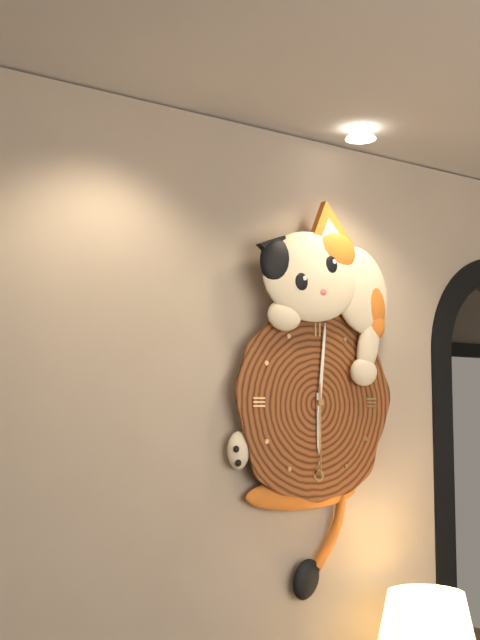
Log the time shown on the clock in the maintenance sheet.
6:01:30
